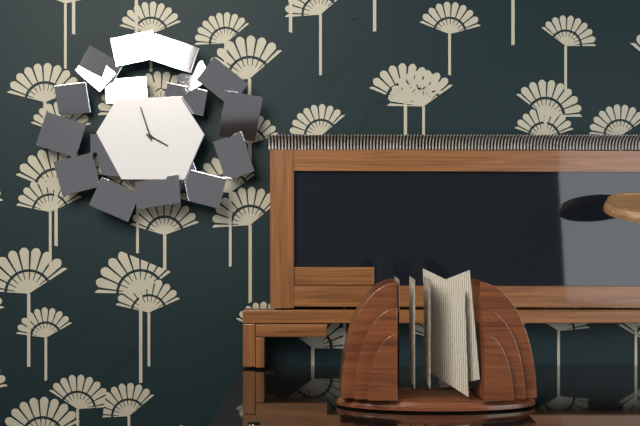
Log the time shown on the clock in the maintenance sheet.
3:57
